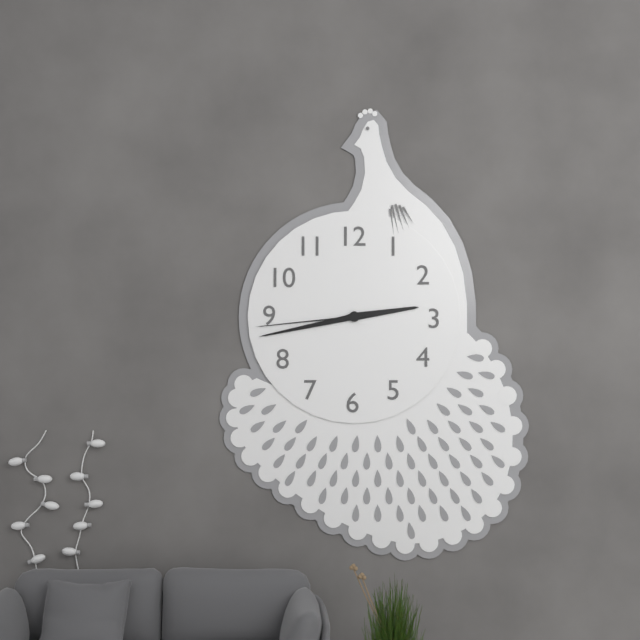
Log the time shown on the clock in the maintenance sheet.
2:43:44
